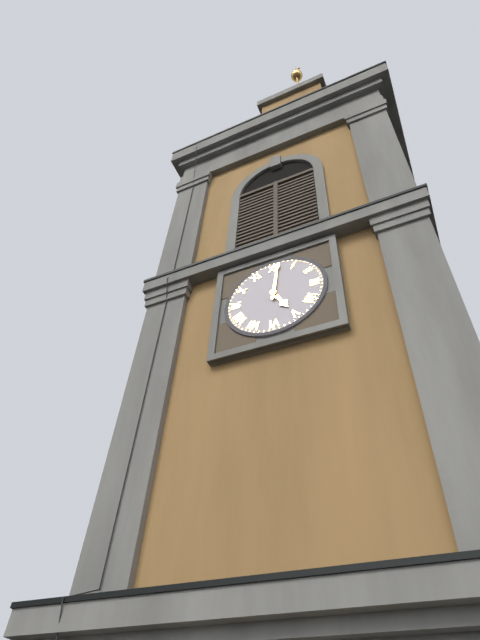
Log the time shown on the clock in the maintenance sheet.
5:01
